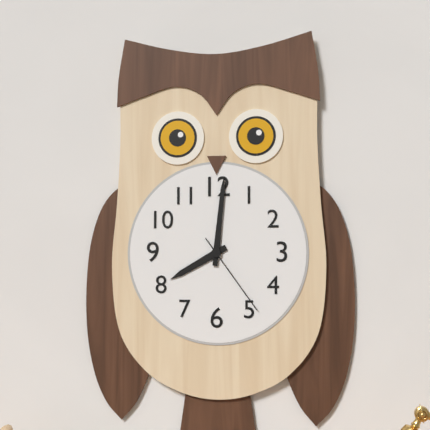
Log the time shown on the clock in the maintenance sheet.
8:01:24
